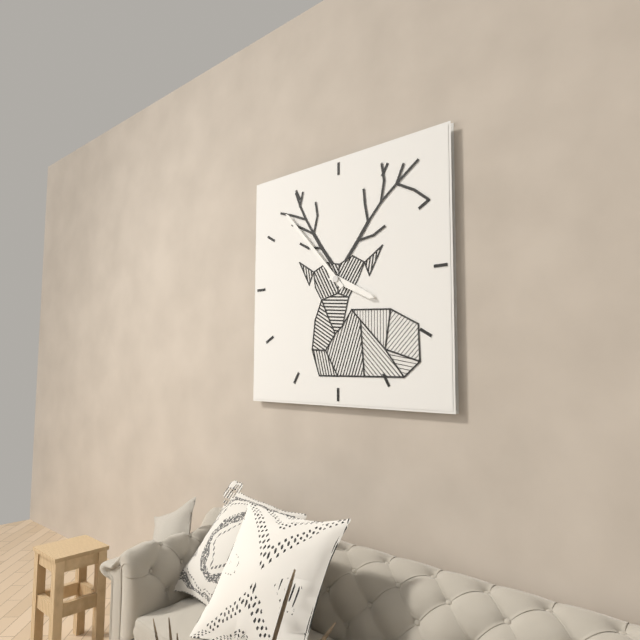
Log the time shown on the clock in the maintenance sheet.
3:53
